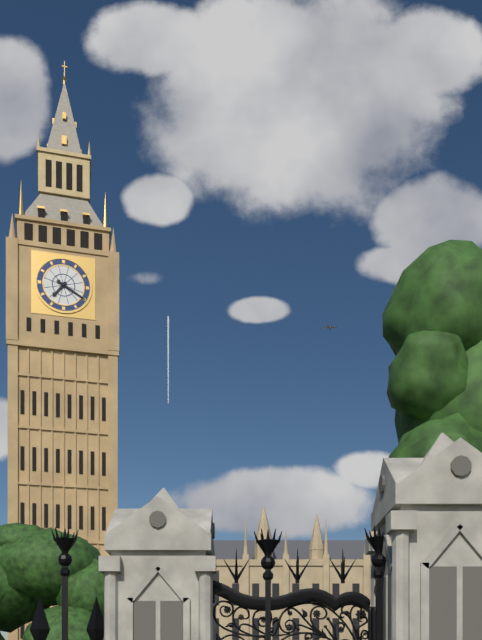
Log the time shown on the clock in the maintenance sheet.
7:20
